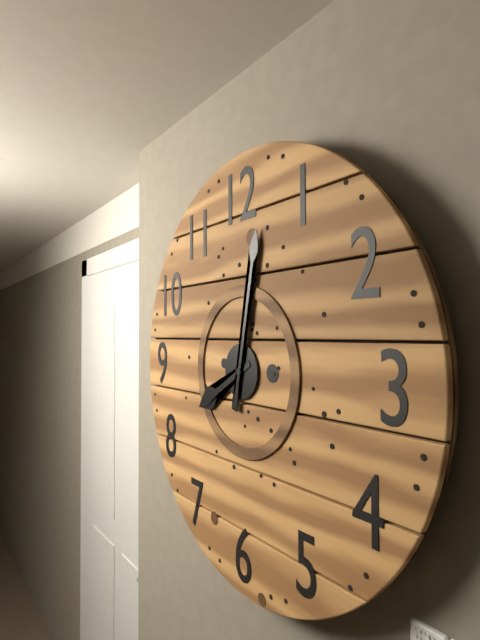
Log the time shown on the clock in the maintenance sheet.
8:02
